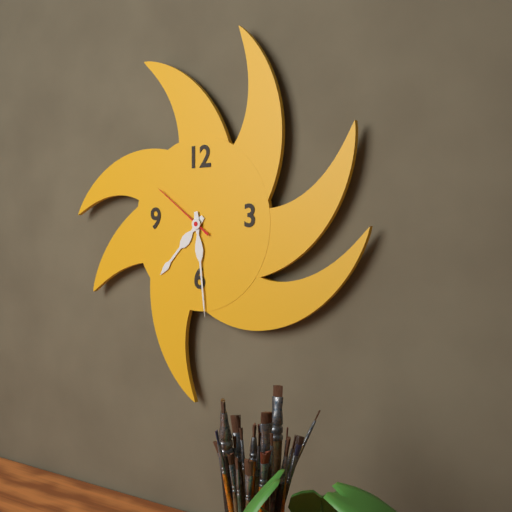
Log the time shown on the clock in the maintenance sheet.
7:29:51
